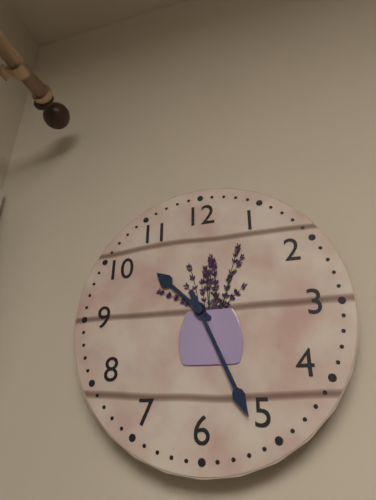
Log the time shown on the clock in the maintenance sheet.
10:26
